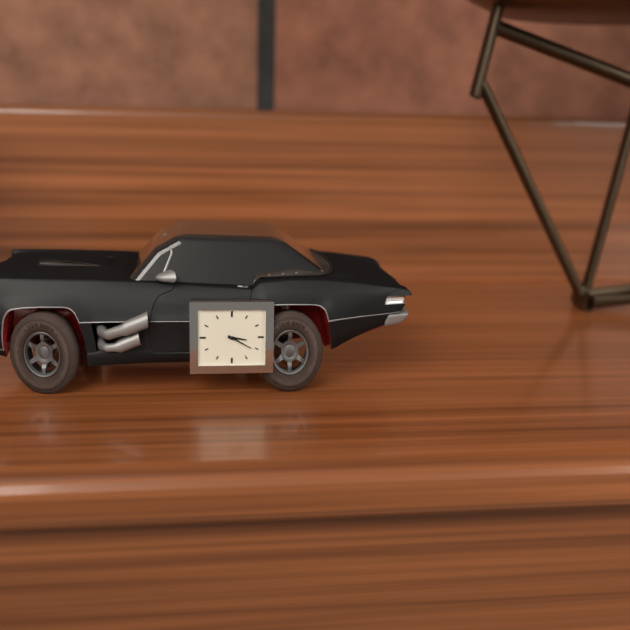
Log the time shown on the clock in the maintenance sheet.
3:20
